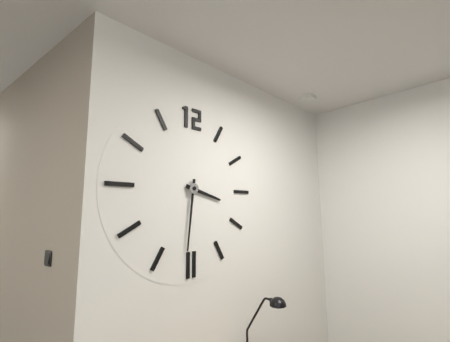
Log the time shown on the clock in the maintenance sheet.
3:31
